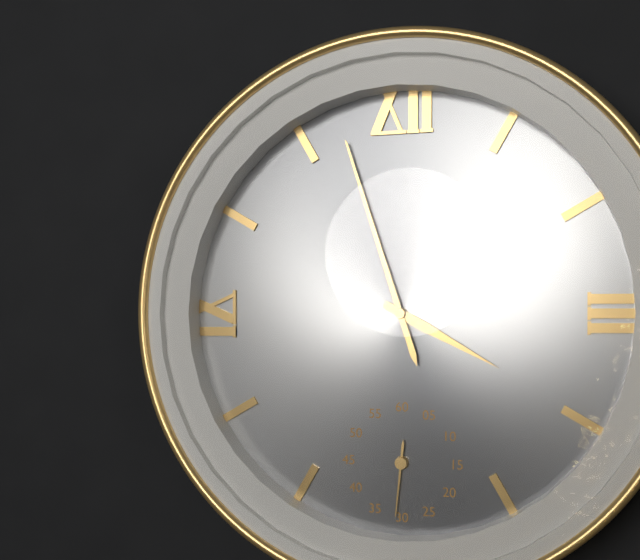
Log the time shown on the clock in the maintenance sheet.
3:57:31
